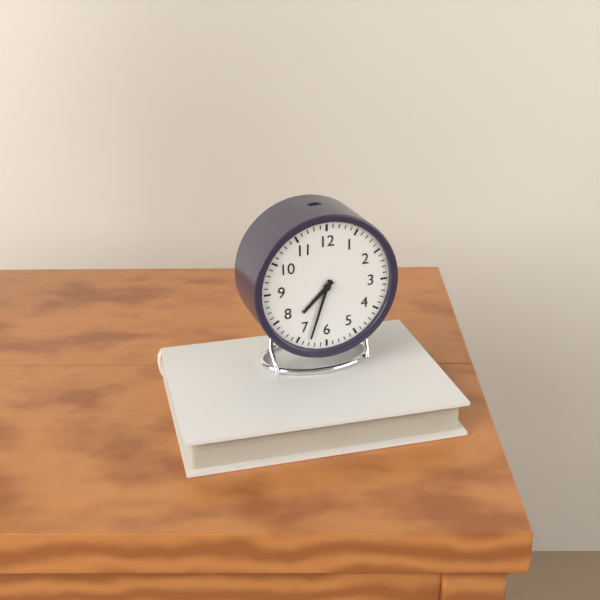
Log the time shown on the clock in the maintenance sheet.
7:33
